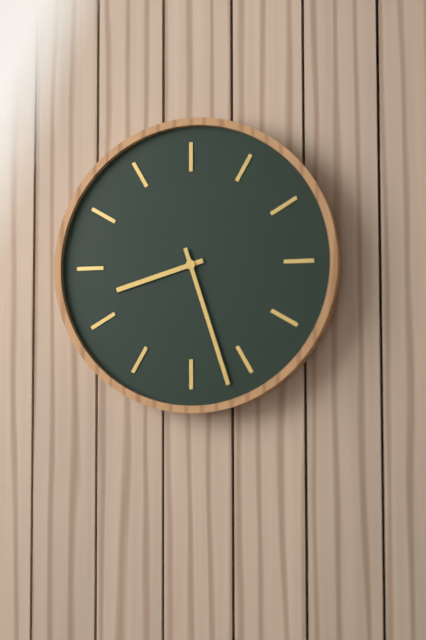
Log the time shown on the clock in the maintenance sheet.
8:27
